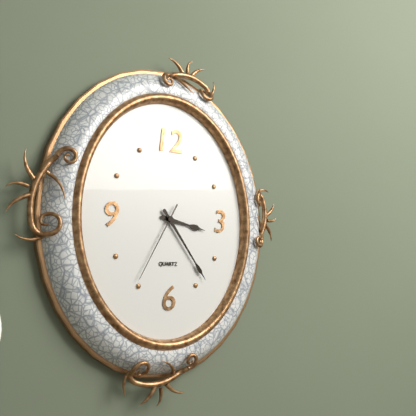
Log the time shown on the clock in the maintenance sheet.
3:24:35
